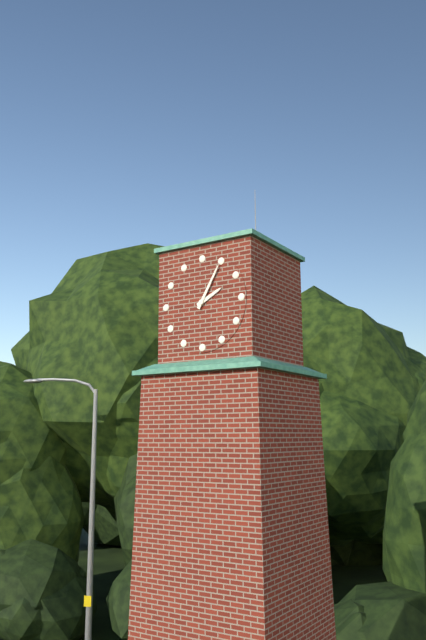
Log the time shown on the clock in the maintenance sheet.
2:05
